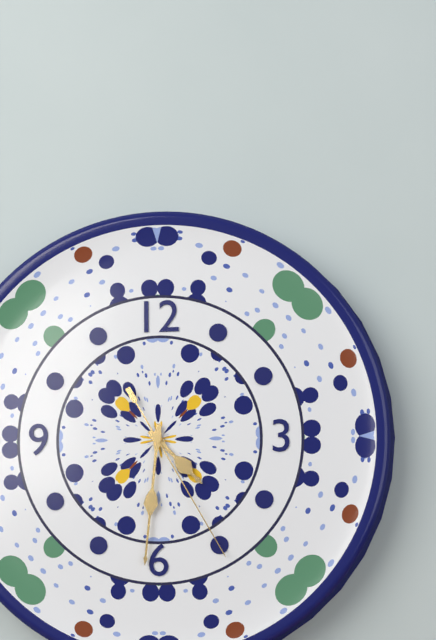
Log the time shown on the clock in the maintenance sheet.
4:31:25
